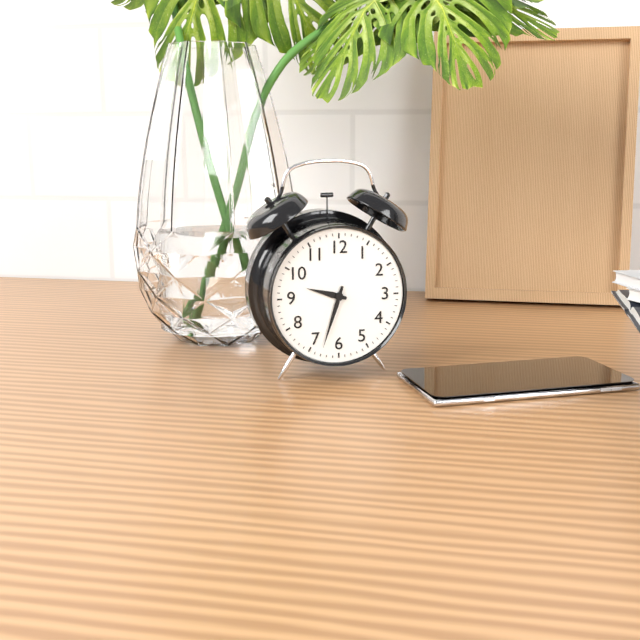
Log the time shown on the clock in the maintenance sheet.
9:33
